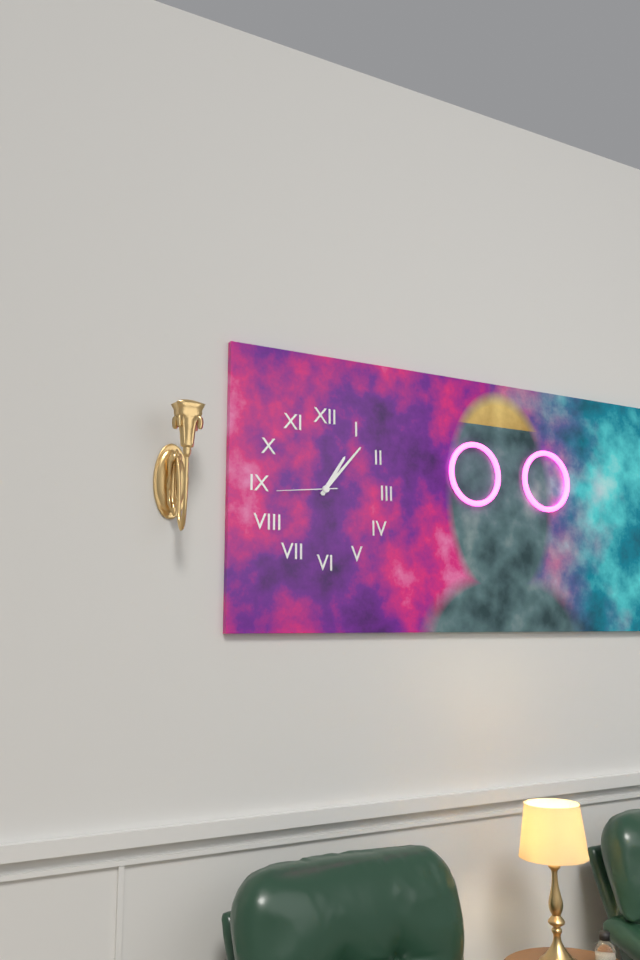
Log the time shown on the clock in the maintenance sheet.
1:07:44
